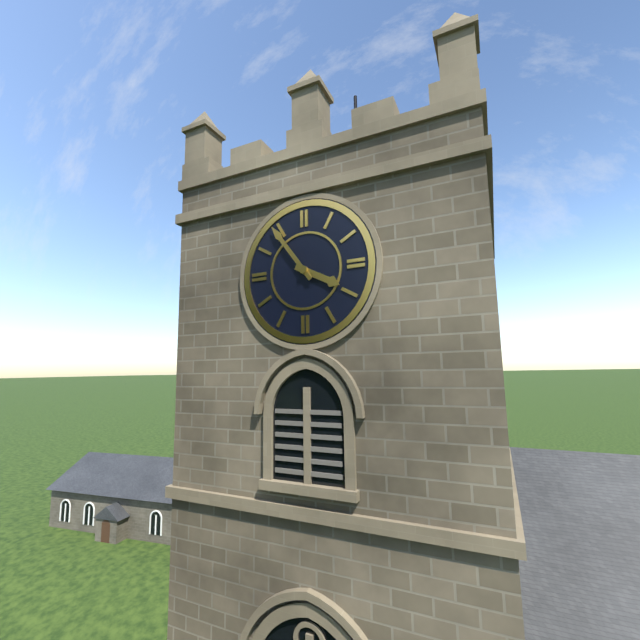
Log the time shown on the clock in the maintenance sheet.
3:54
